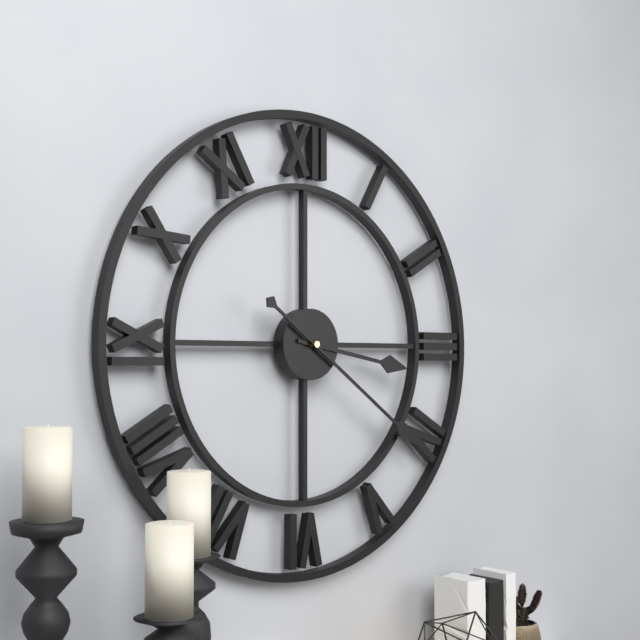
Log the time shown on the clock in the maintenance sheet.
3:21
